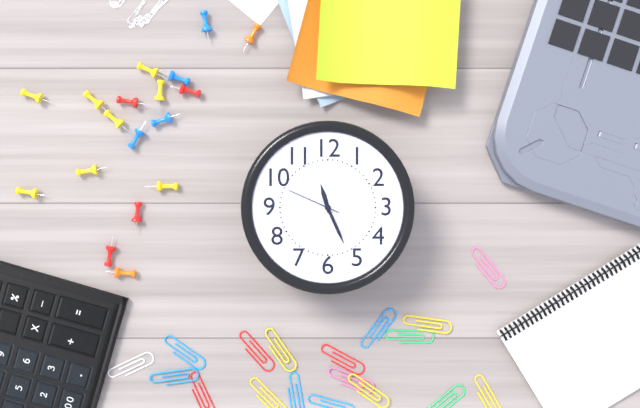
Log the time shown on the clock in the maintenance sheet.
11:26:49
